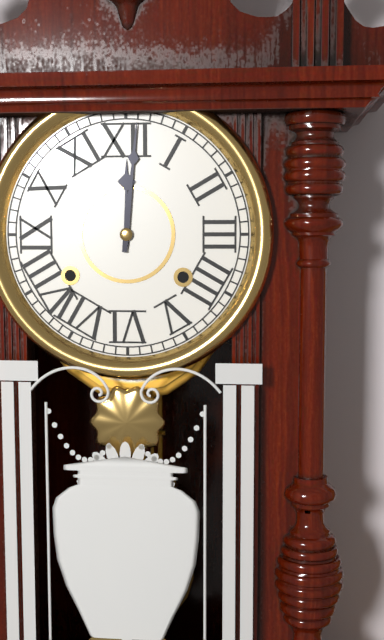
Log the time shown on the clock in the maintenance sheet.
12:01
